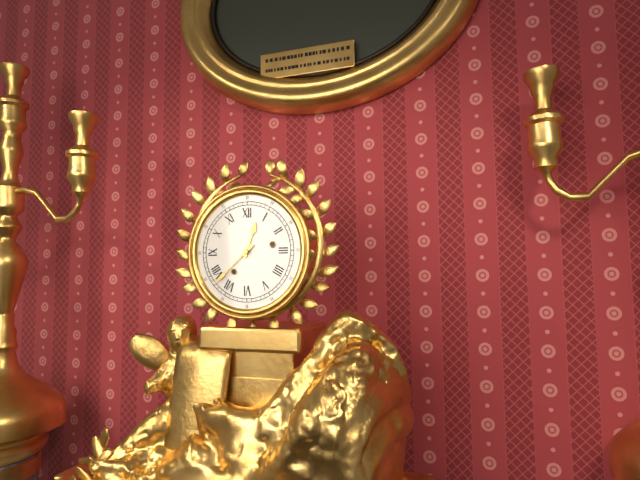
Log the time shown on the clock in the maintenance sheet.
12:38
